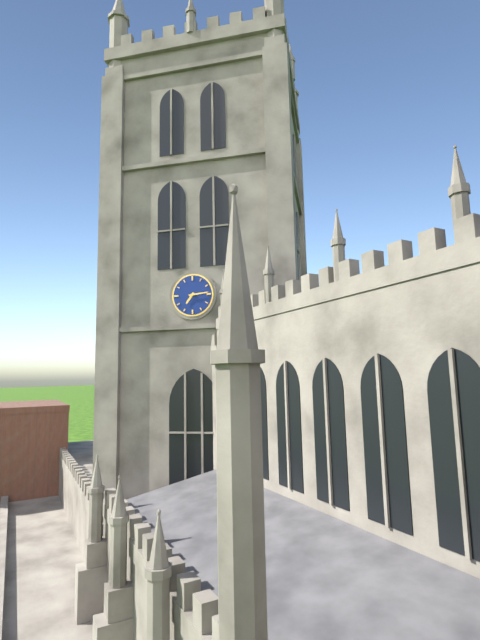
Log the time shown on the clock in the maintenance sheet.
7:14
